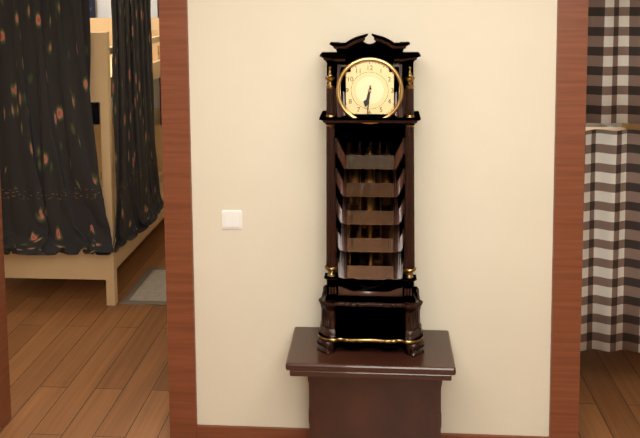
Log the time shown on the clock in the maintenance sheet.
6:31
